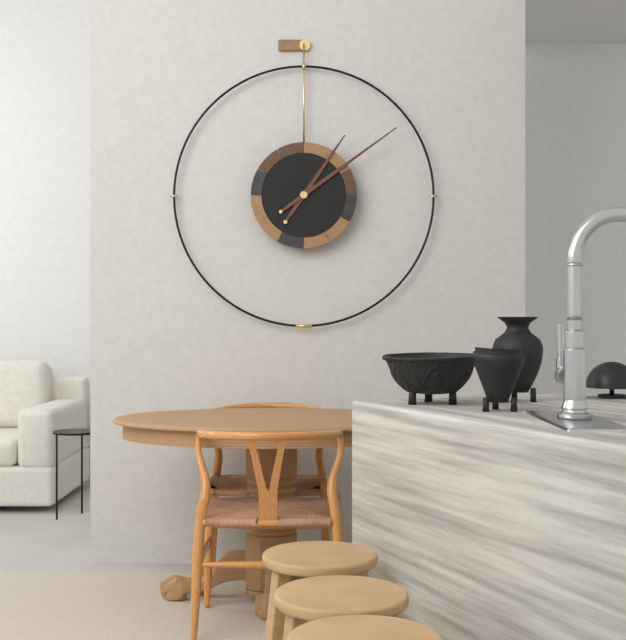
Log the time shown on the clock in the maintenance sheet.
1:09
